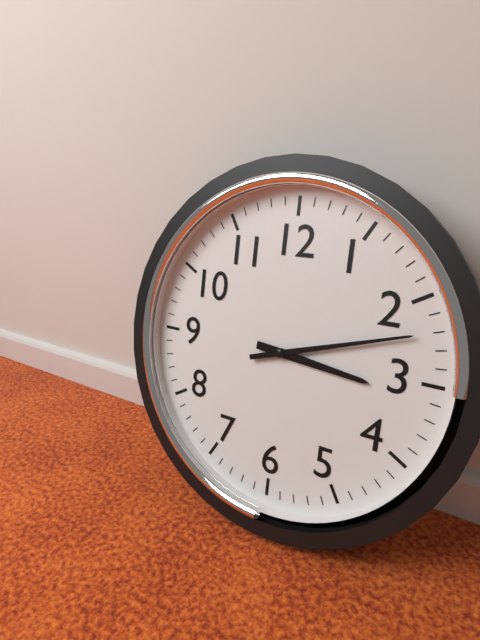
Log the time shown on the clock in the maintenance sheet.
3:12
